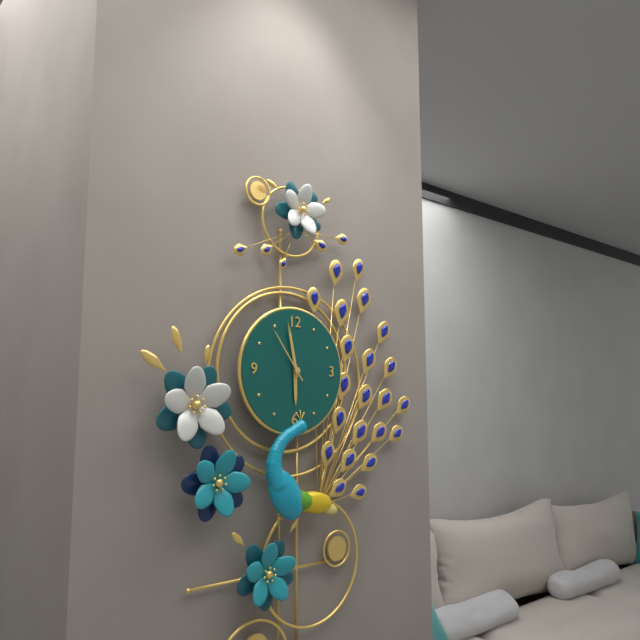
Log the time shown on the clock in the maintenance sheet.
5:58:54
